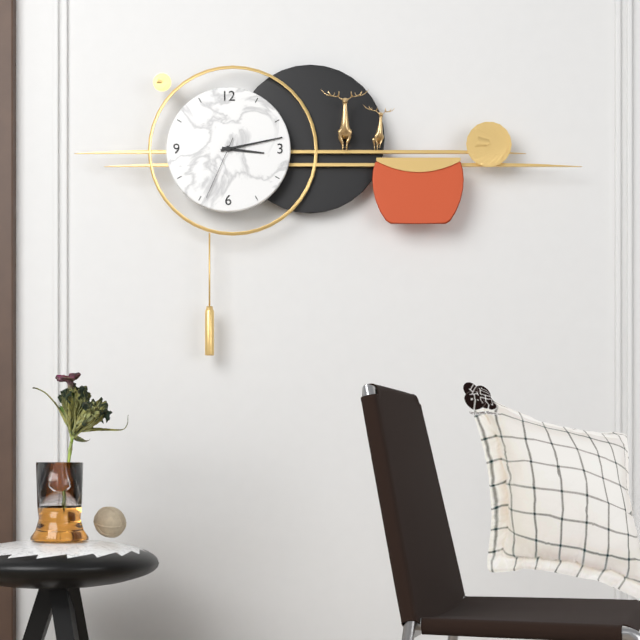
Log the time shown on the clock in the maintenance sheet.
3:13:34
